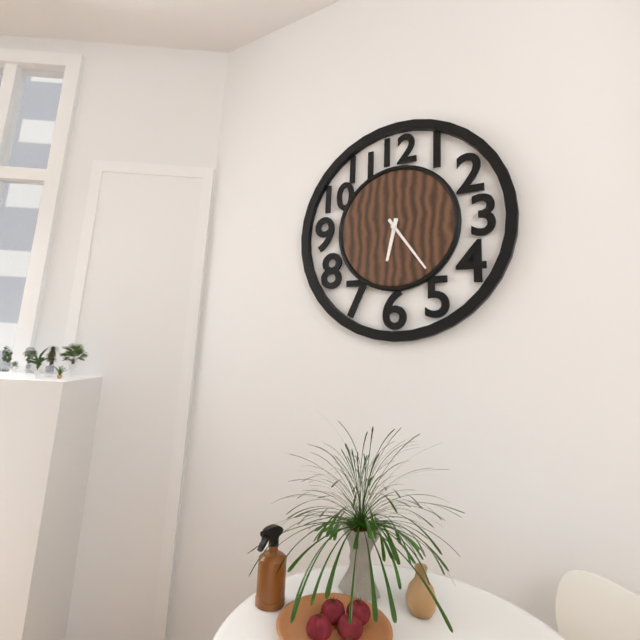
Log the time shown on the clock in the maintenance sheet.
6:24
